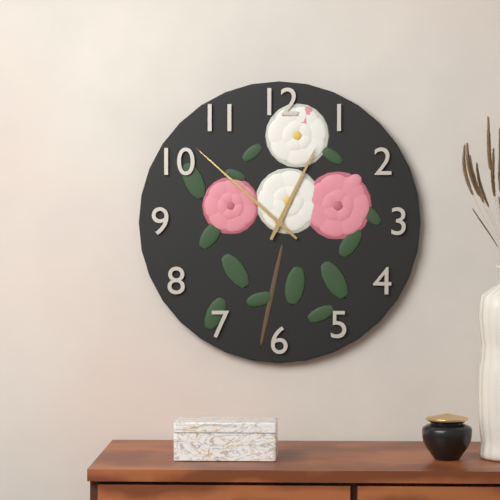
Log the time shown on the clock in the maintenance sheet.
12:52
